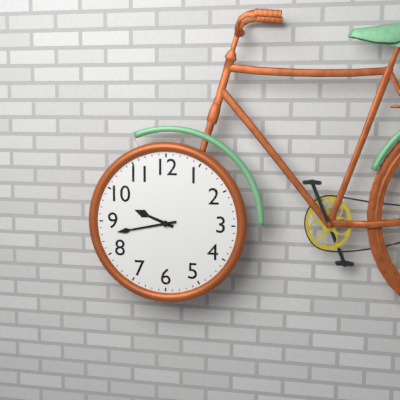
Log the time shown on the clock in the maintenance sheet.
9:43
